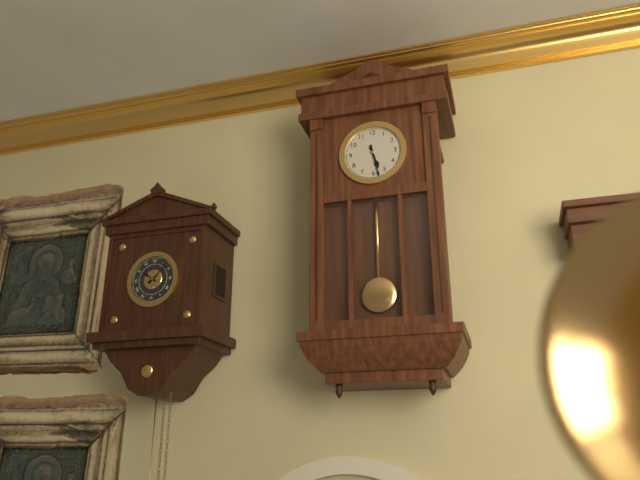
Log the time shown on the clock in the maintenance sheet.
5:28
